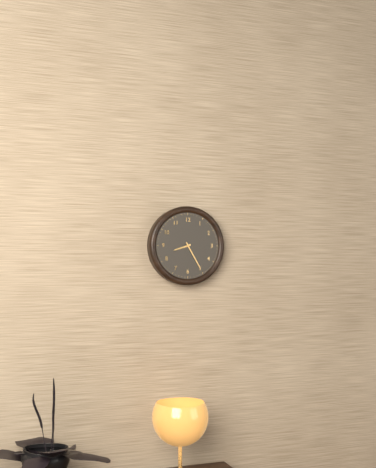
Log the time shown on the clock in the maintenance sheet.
8:25
